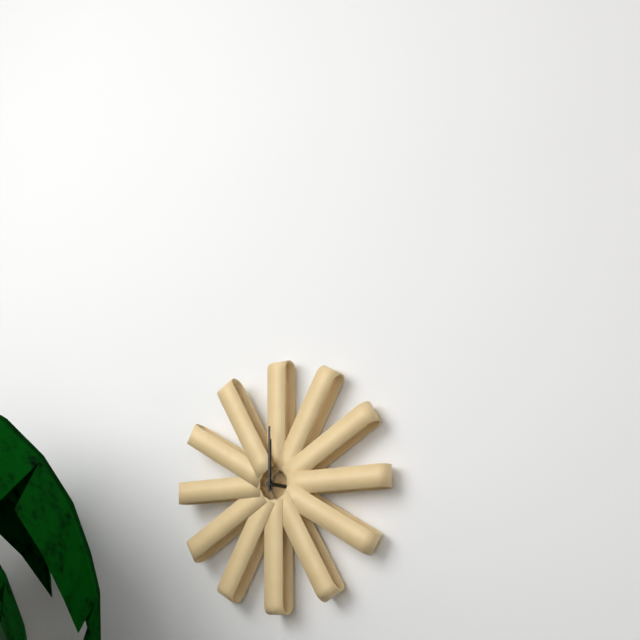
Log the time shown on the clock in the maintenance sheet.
12:00
